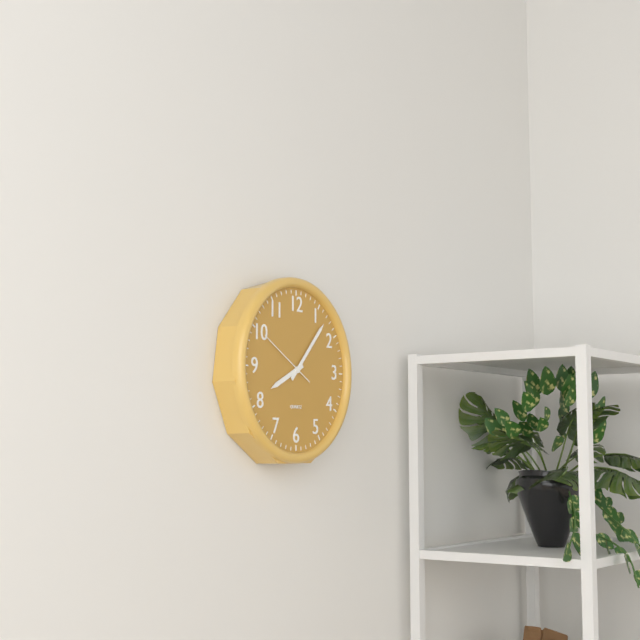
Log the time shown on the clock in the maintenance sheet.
8:07:50
